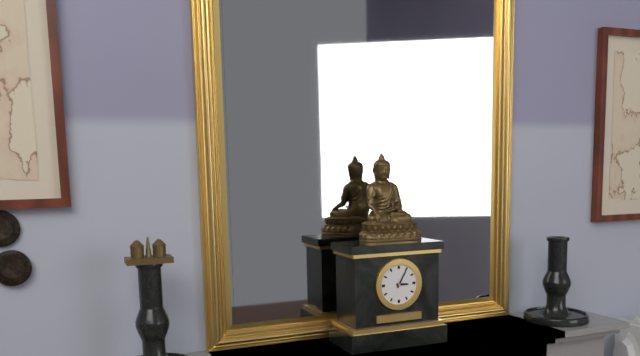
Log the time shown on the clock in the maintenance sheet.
3:05
